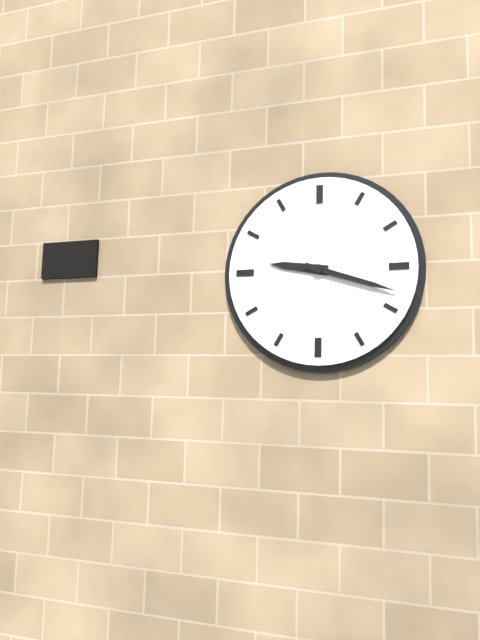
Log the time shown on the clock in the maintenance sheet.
9:18
